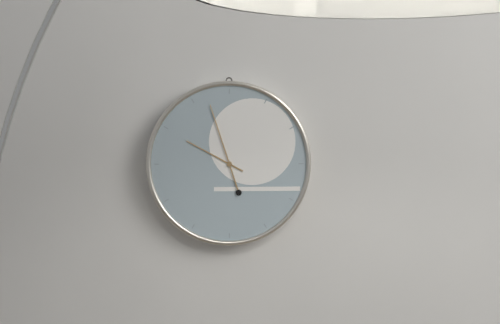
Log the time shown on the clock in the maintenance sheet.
9:57
